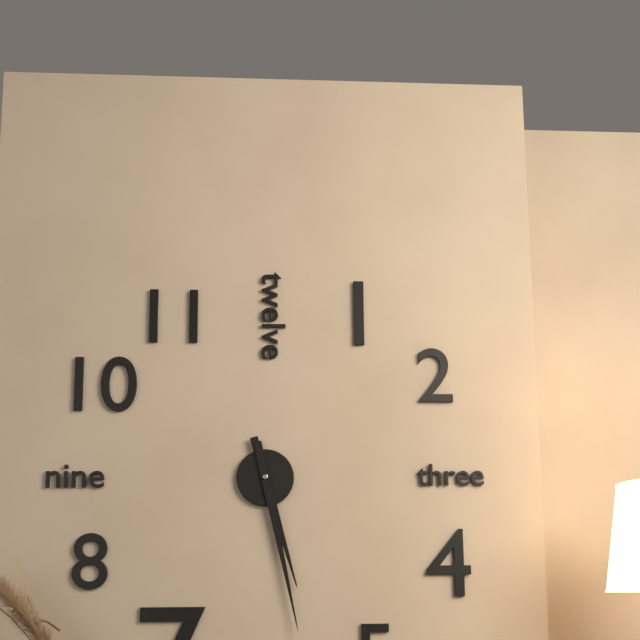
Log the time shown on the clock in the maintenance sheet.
5:28
